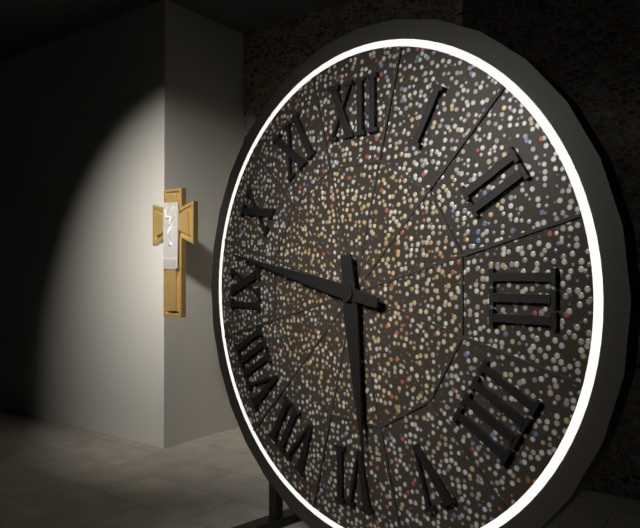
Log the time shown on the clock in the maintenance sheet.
5:47
